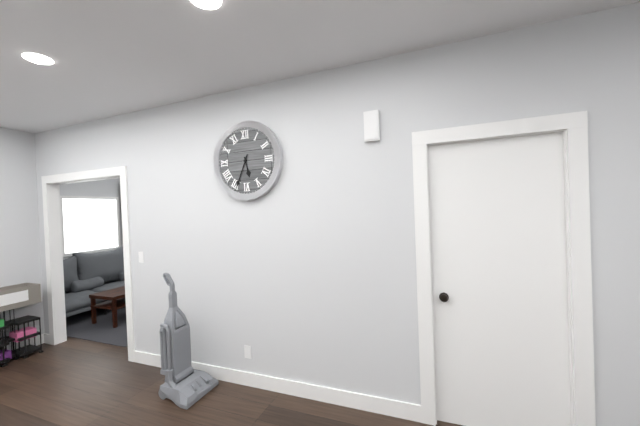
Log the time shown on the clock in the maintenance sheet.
5:34
